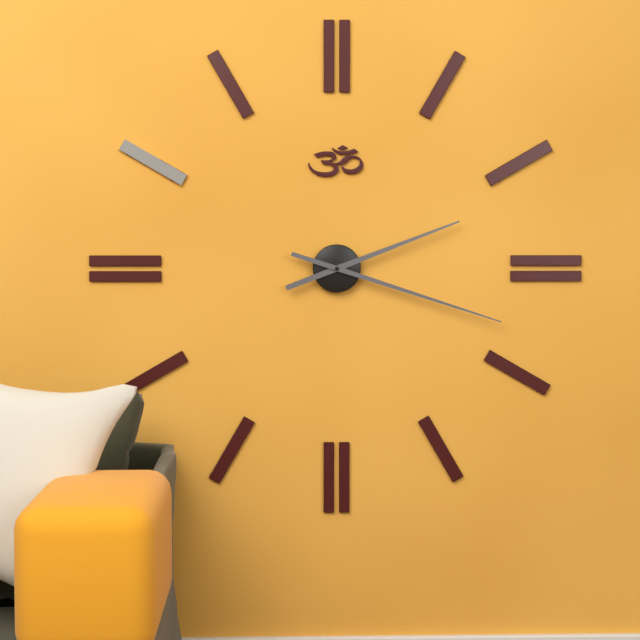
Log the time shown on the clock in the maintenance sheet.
2:18
